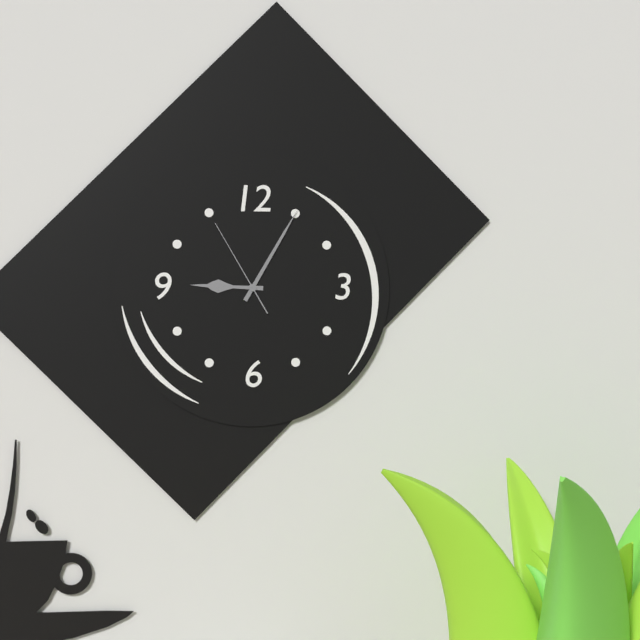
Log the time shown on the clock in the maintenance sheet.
9:05:55
